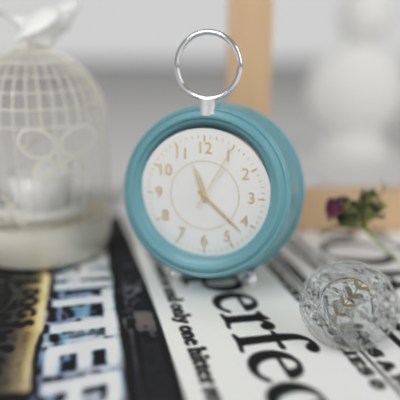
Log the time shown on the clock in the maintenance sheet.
11:22:05
